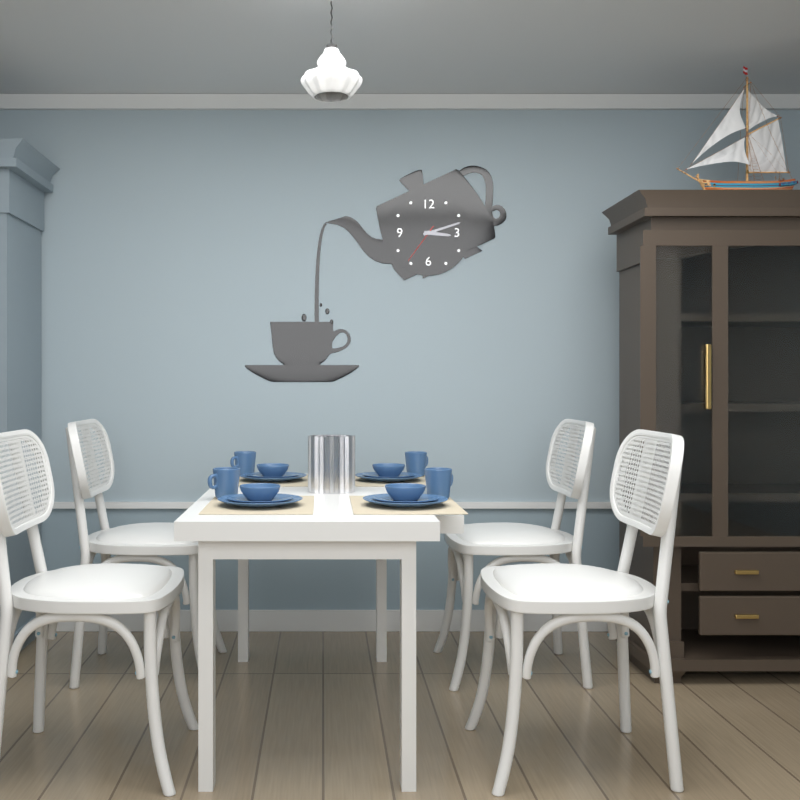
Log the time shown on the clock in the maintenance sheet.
3:12
